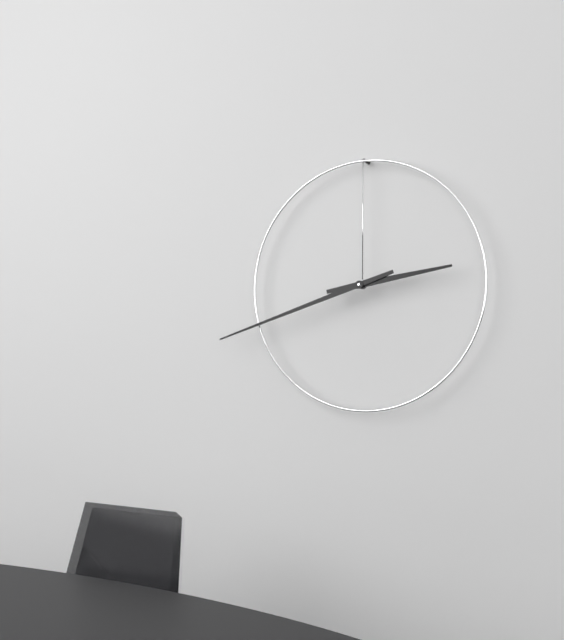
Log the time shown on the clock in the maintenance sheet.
2:42
